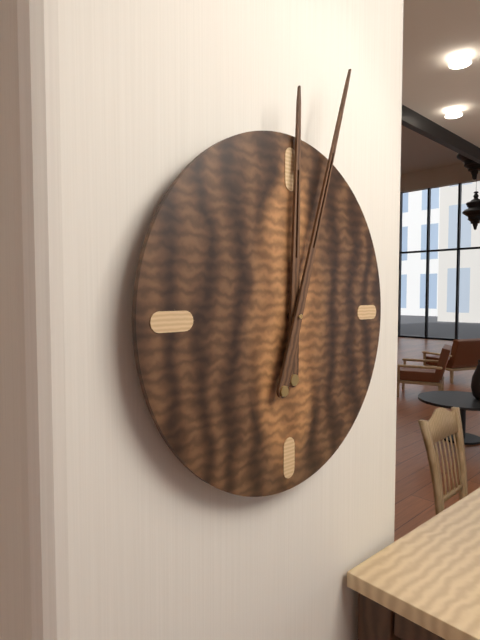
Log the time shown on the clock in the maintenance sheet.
12:03
